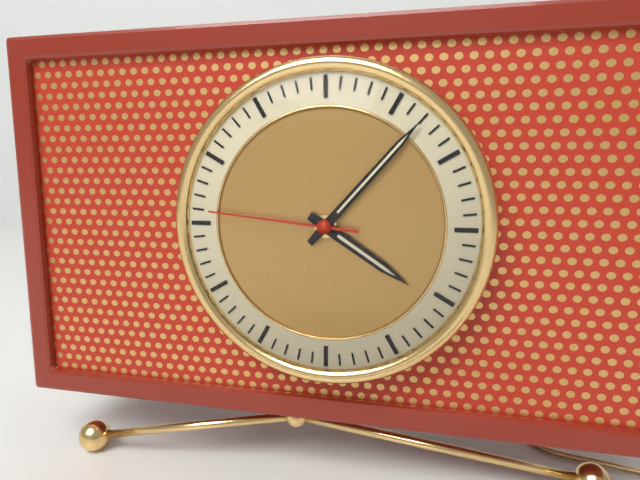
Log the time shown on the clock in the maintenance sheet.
4:07:46
